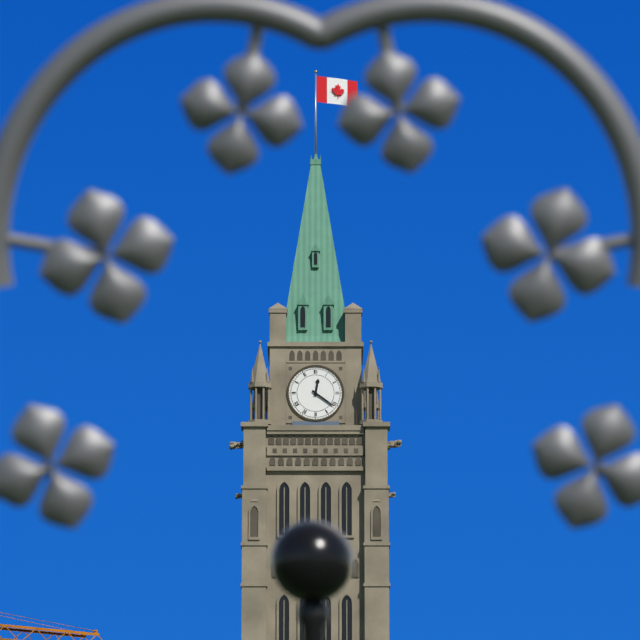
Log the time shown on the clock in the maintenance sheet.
12:21
